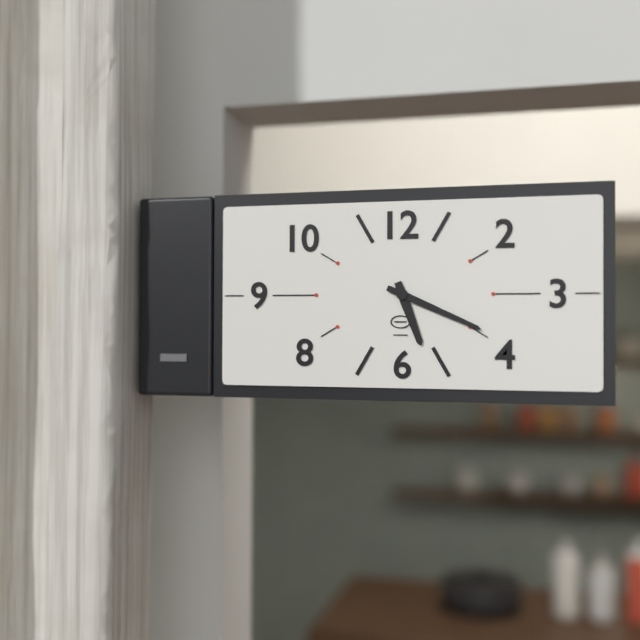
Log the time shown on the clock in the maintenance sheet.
5:19
